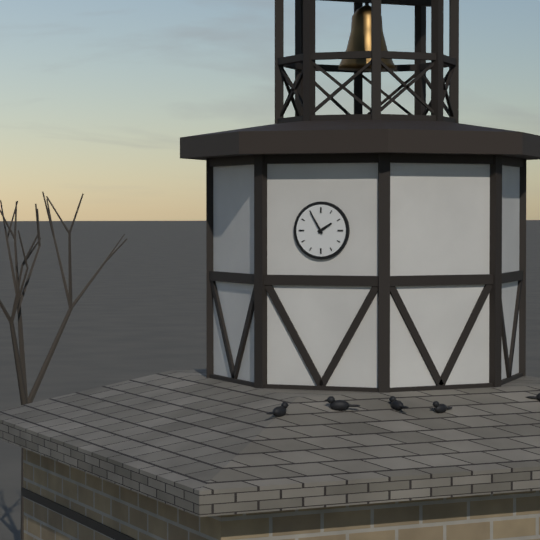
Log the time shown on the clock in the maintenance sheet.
1:55
